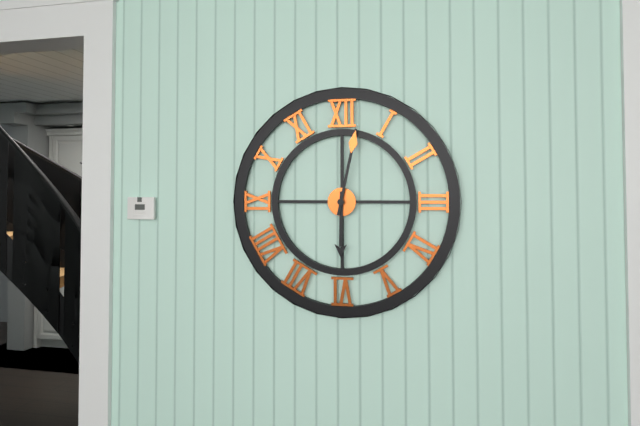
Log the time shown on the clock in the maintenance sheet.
6:02
